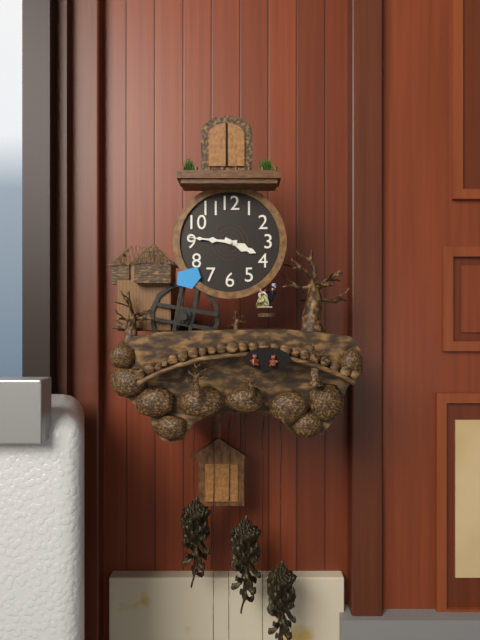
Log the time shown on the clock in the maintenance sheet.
3:46
